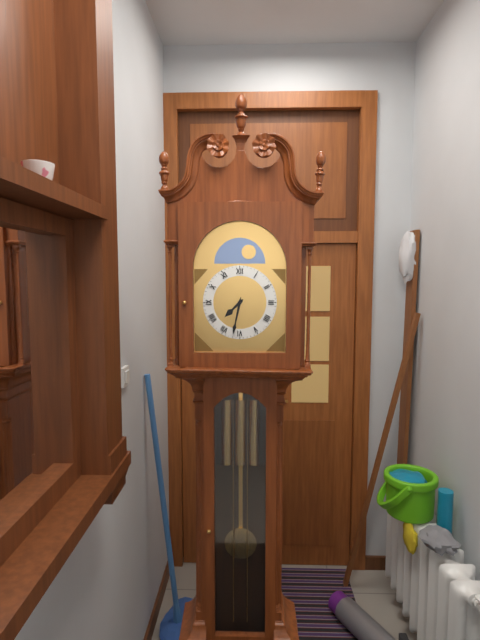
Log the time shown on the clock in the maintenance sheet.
7:32
